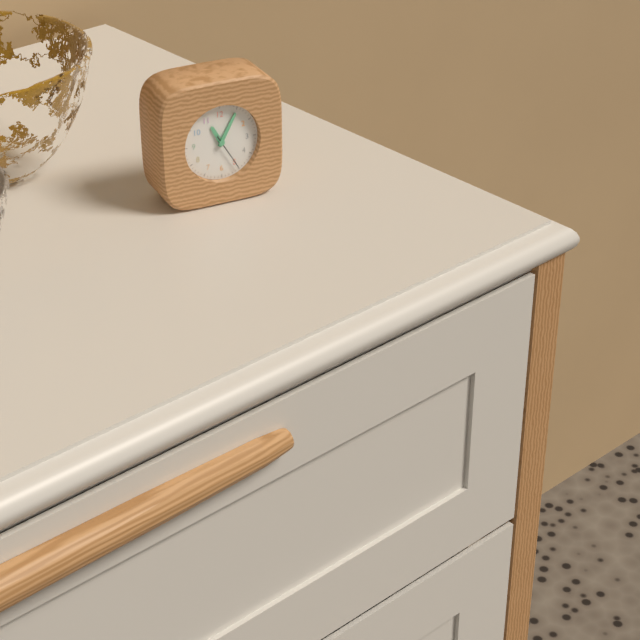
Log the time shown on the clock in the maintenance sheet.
11:05
